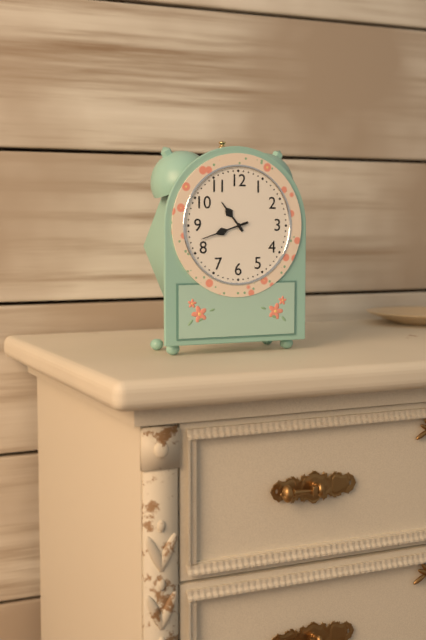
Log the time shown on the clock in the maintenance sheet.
10:42
